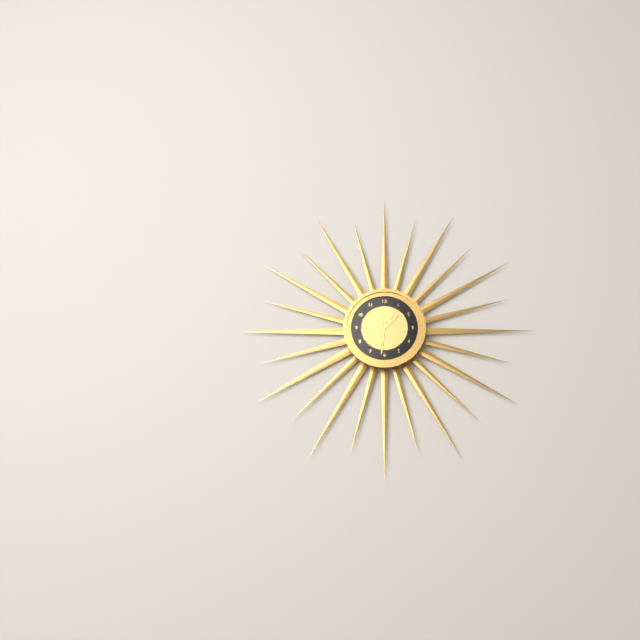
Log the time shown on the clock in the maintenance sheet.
1:31
